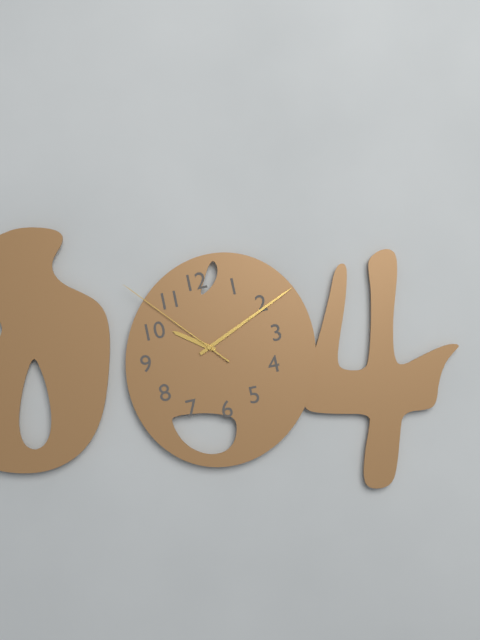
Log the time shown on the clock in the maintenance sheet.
10:11:53
